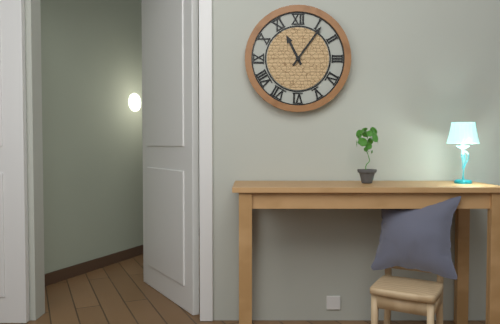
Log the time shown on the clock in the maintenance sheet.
11:06
